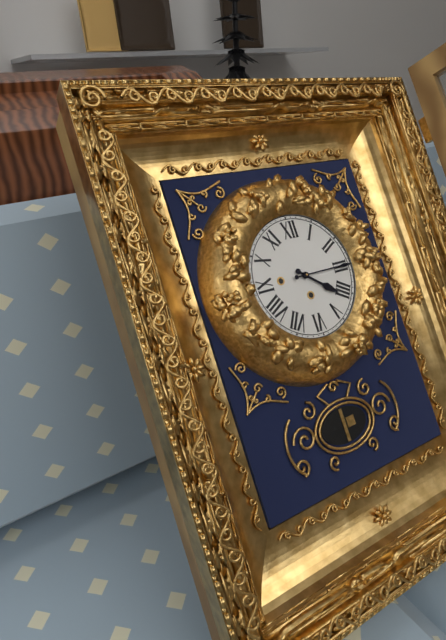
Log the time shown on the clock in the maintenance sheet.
4:15
